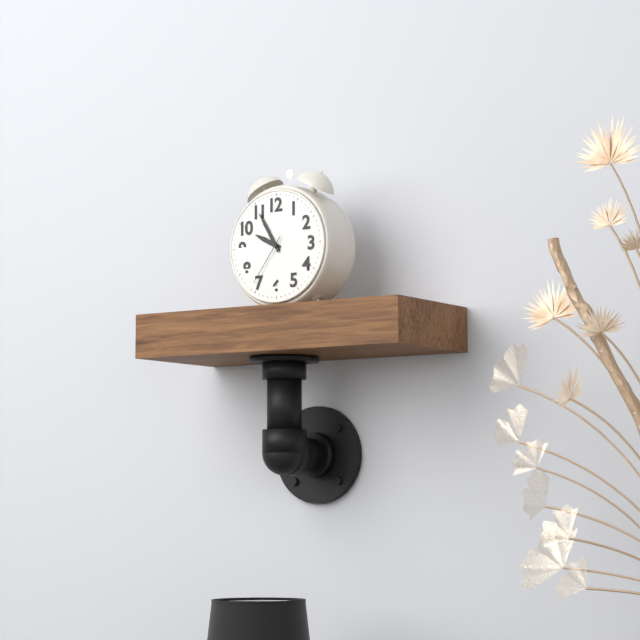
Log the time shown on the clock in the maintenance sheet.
9:55:36
